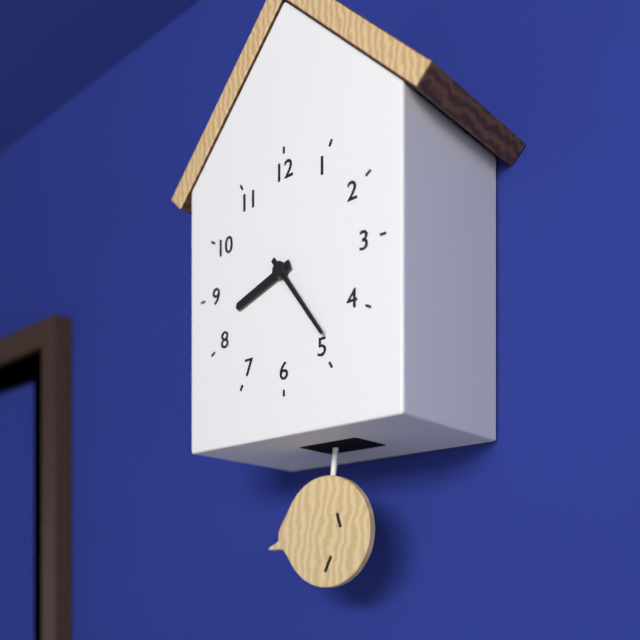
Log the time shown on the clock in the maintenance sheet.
8:24
